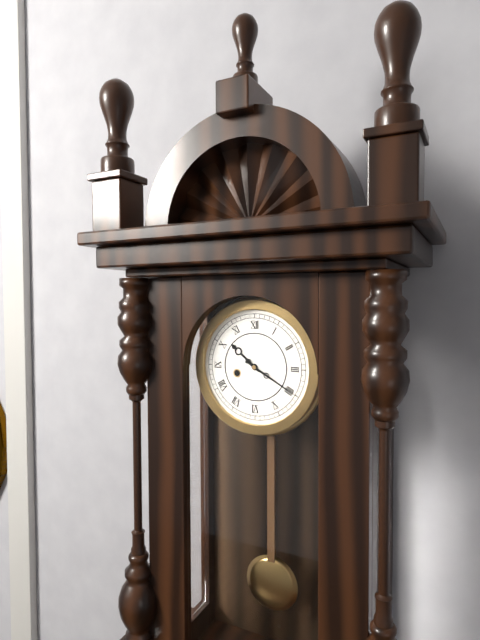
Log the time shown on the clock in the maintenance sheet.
10:20
